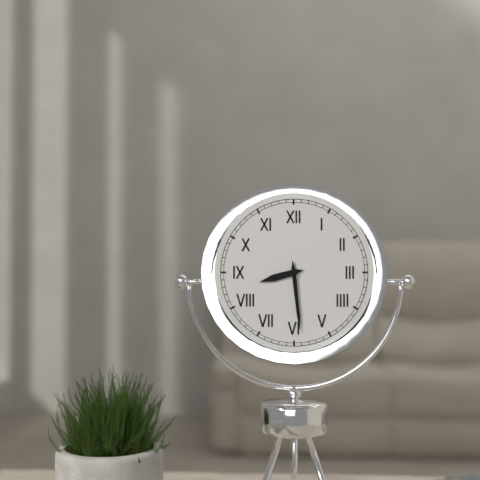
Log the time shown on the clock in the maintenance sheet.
8:29
